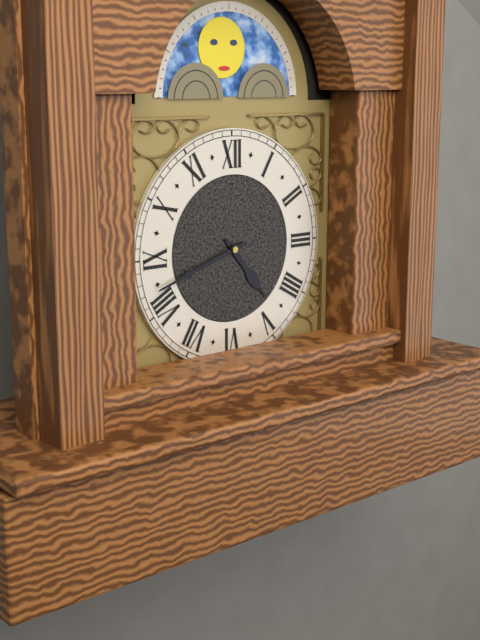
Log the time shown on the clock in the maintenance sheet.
4:42
